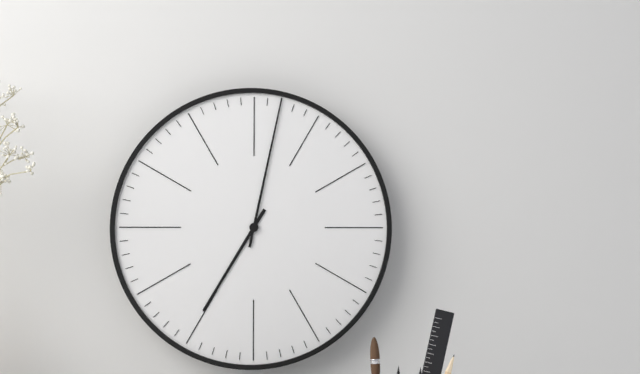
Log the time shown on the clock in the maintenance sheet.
7:02
